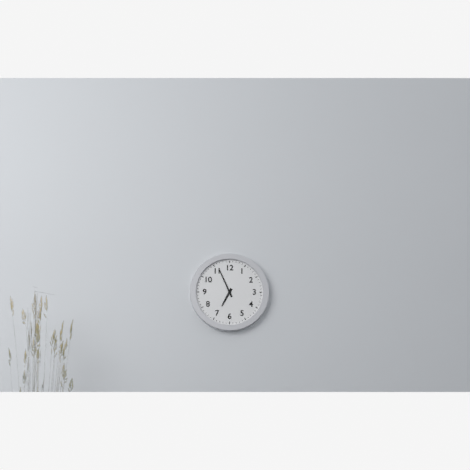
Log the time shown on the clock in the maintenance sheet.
6:56
